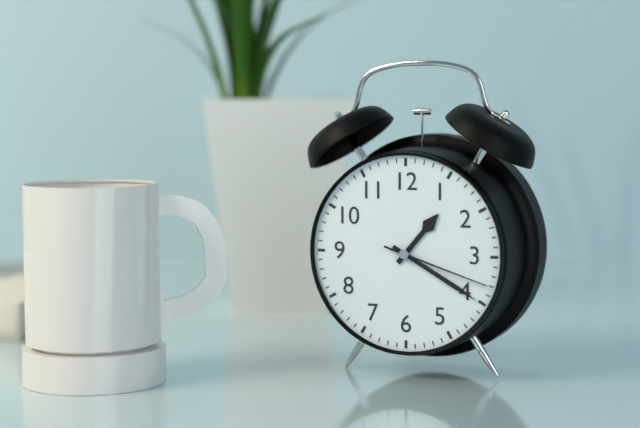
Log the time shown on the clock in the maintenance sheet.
1:20:18
